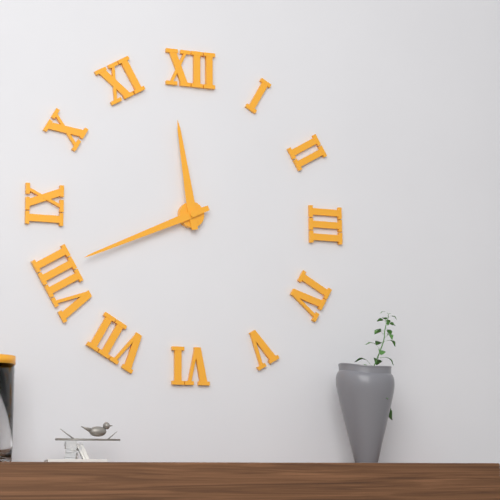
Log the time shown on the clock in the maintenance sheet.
11:41
